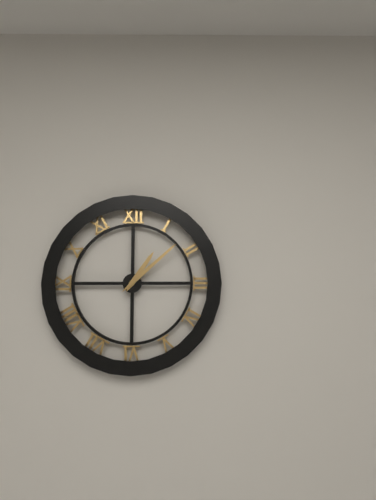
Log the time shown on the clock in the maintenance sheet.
1:08
